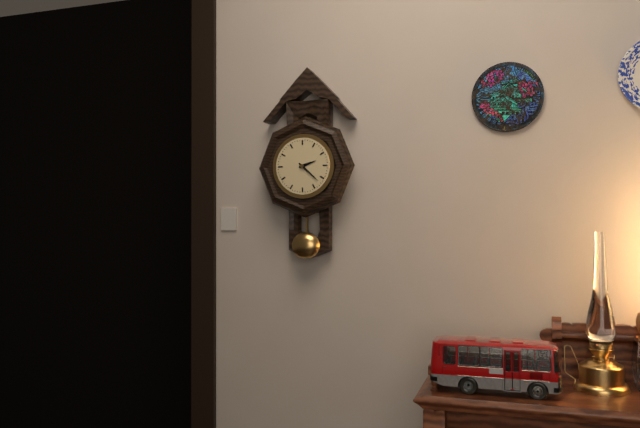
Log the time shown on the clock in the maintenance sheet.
2:22
